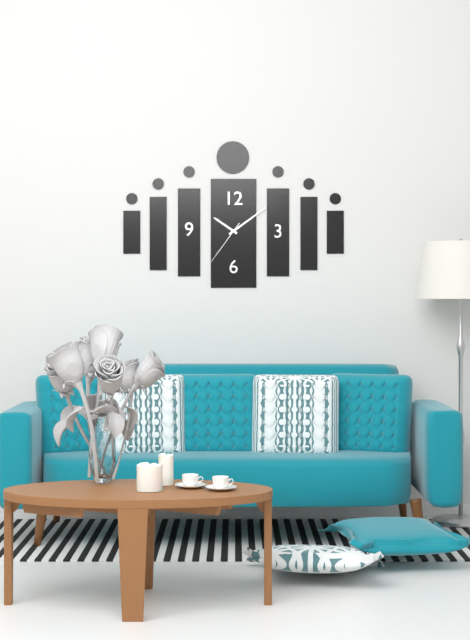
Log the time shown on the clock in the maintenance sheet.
10:09
